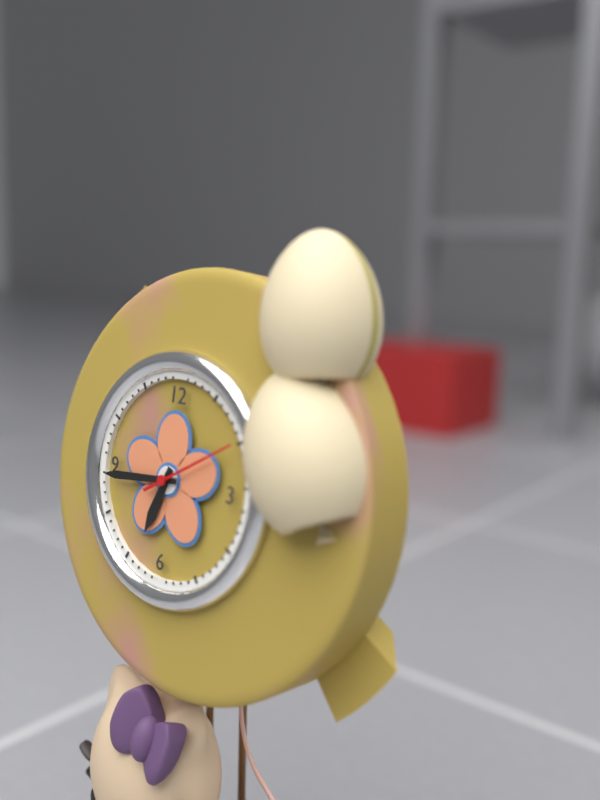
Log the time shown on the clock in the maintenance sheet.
6:44
